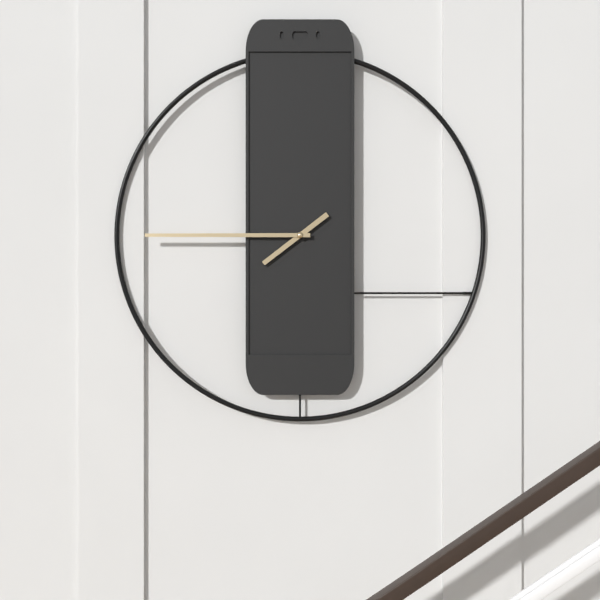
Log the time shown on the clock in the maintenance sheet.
7:45
